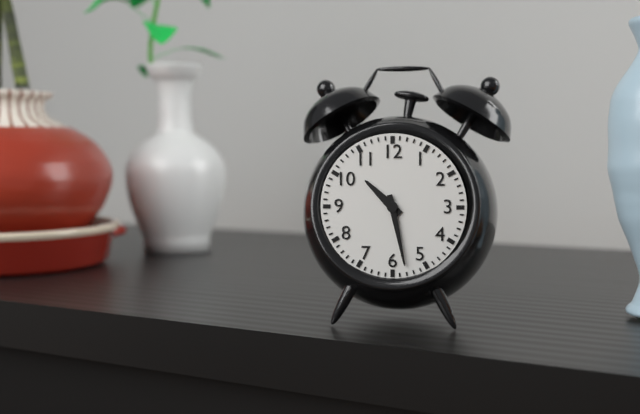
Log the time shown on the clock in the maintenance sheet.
10:28
